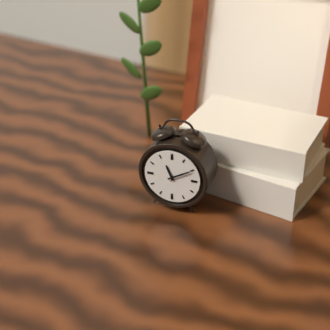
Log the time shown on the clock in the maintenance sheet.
11:10
